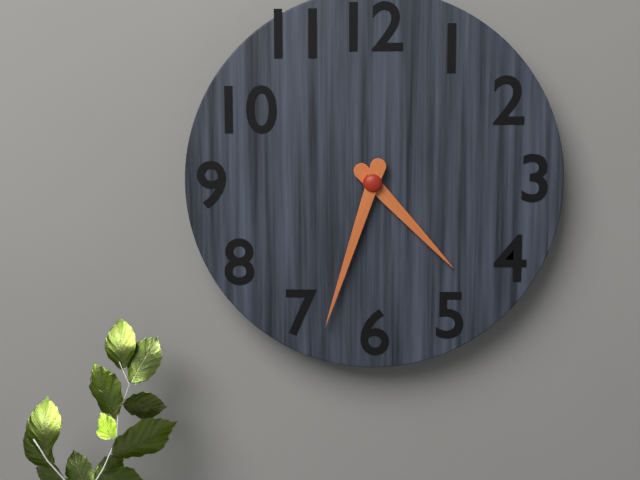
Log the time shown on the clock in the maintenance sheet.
4:33
